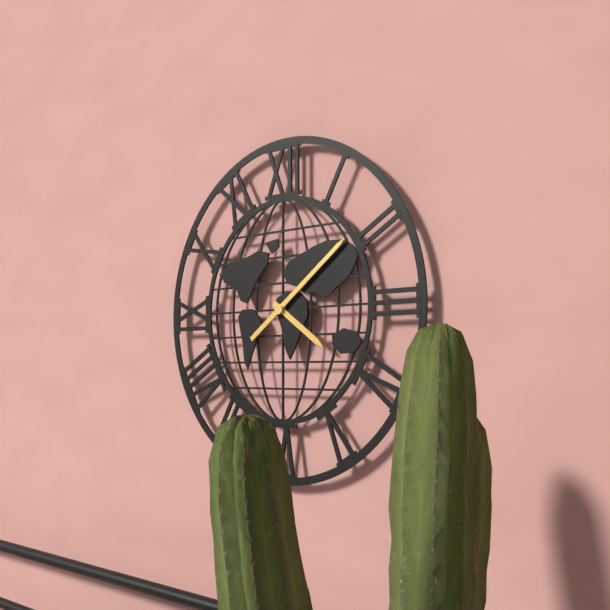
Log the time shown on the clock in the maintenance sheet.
4:09
